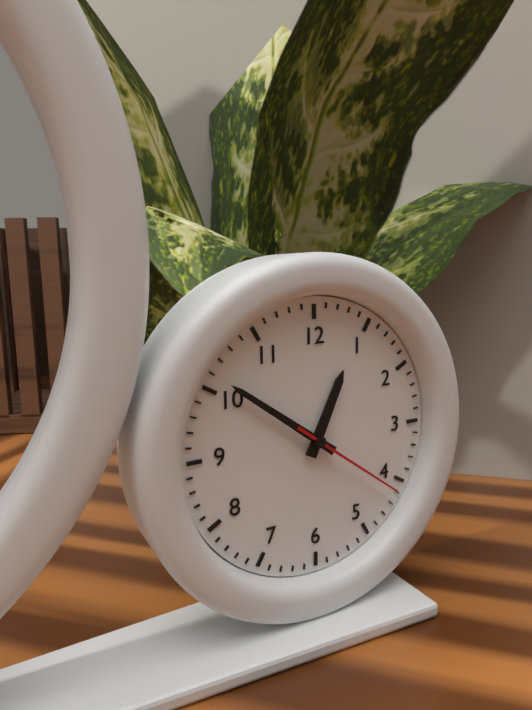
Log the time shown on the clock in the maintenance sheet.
12:51:21
